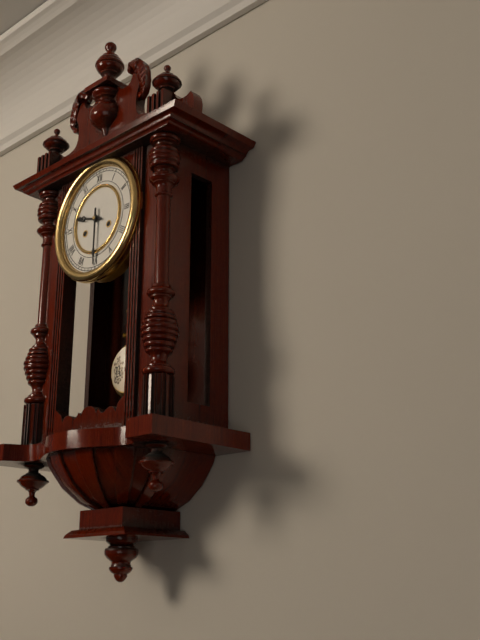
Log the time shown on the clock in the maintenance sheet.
9:30
